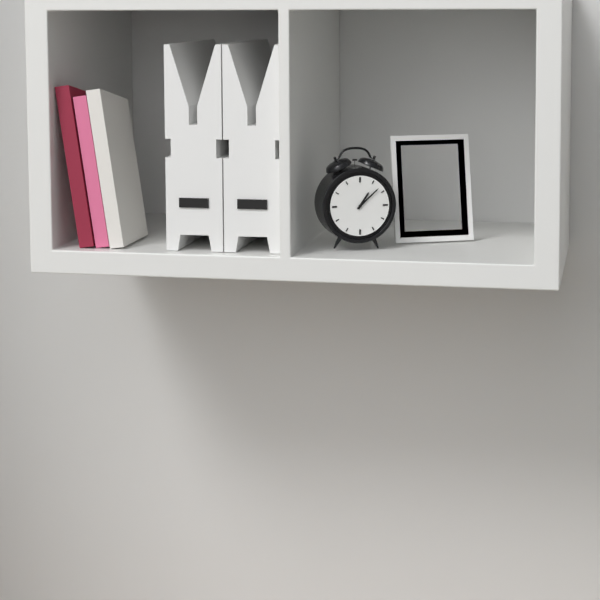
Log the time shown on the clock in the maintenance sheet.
1:08
